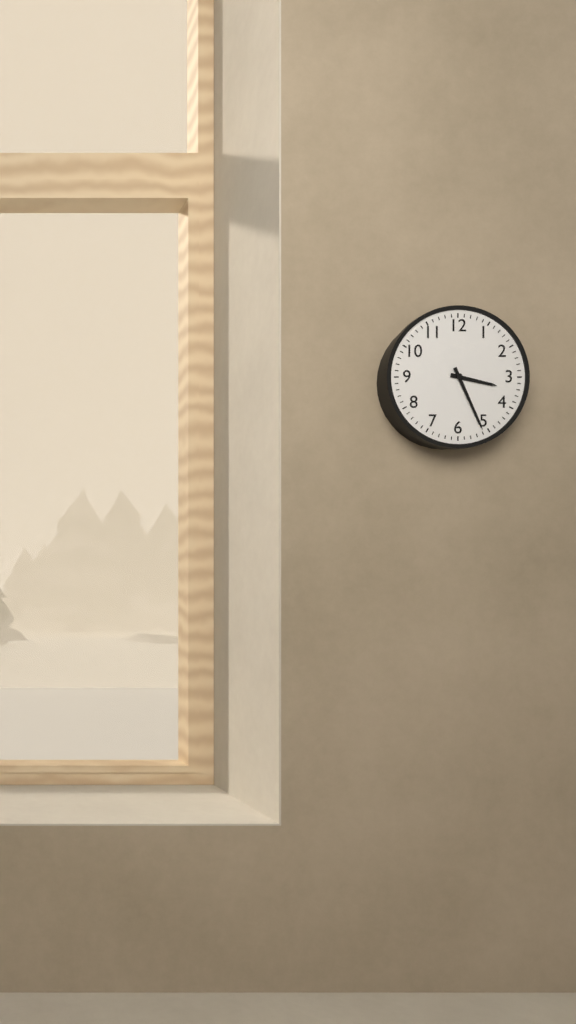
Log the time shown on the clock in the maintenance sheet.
3:26
